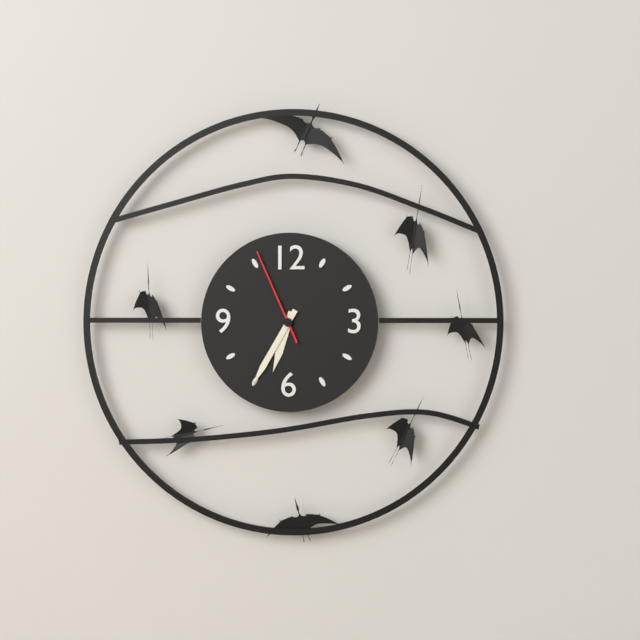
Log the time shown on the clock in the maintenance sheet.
6:35:56
